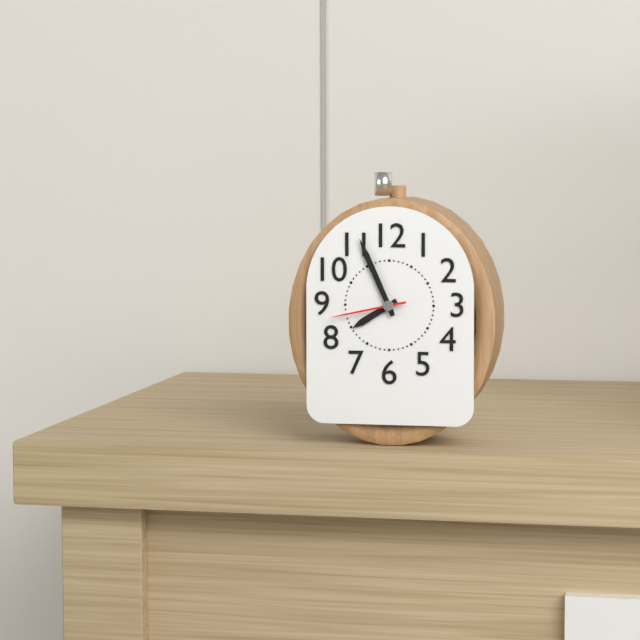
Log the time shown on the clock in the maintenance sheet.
7:56:43
